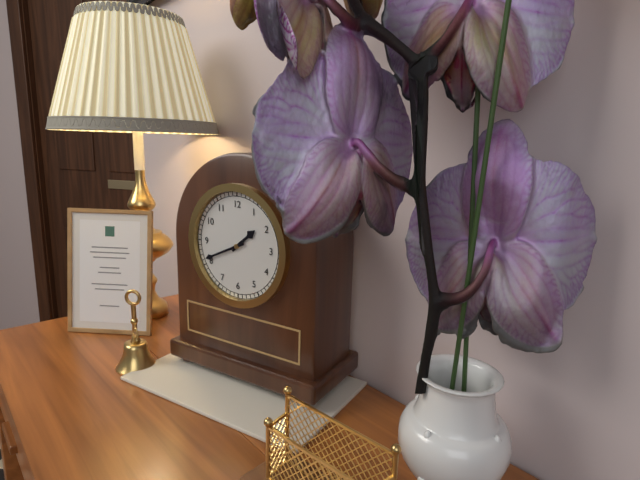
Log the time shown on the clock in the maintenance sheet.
1:41
